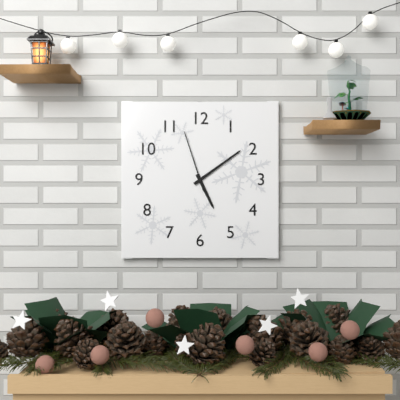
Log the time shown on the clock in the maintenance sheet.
5:09:57
